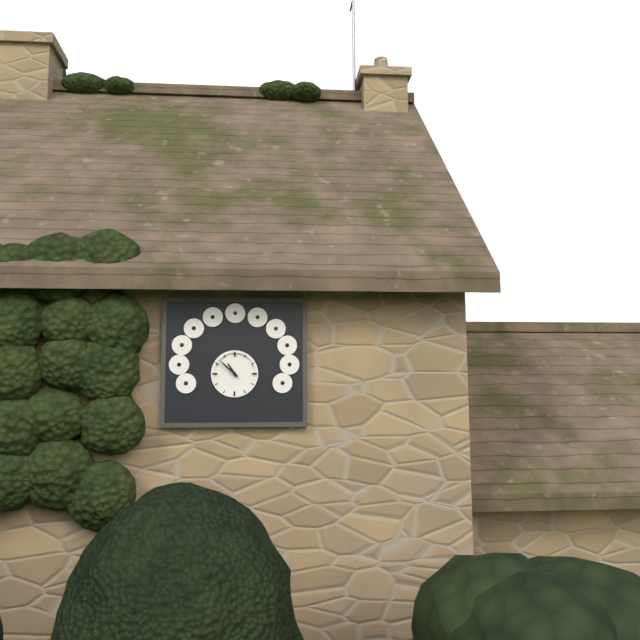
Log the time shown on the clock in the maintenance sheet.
10:52
